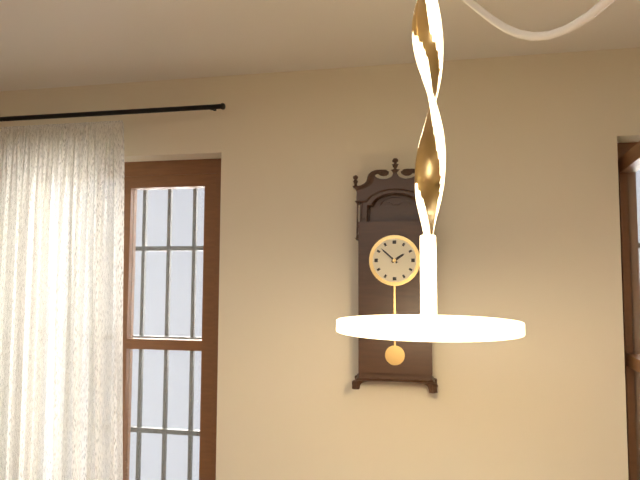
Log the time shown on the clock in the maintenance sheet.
1:52
